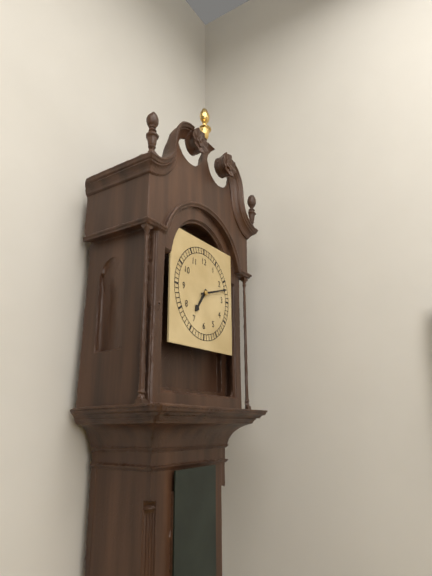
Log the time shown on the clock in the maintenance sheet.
7:12
